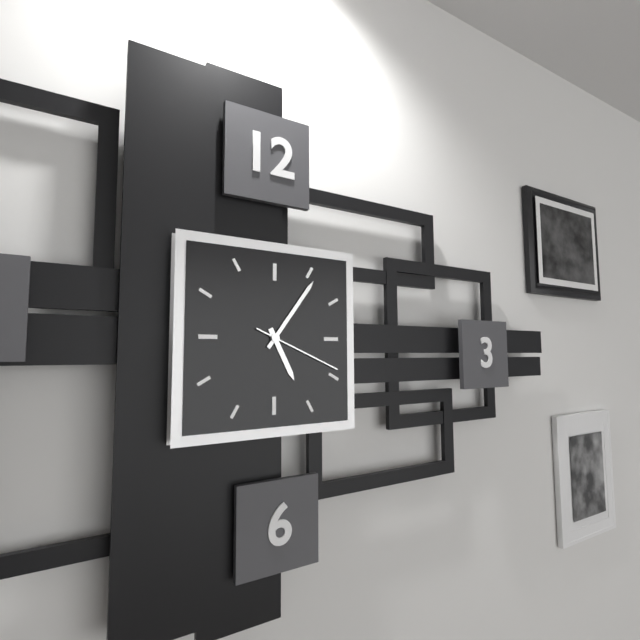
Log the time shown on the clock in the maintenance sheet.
5:06:19
